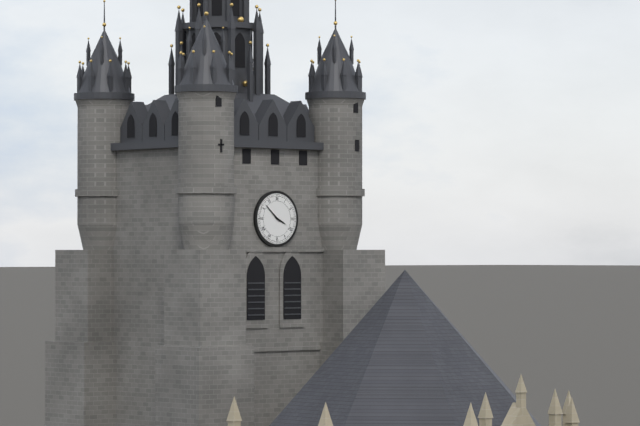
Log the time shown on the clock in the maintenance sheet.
3:52
